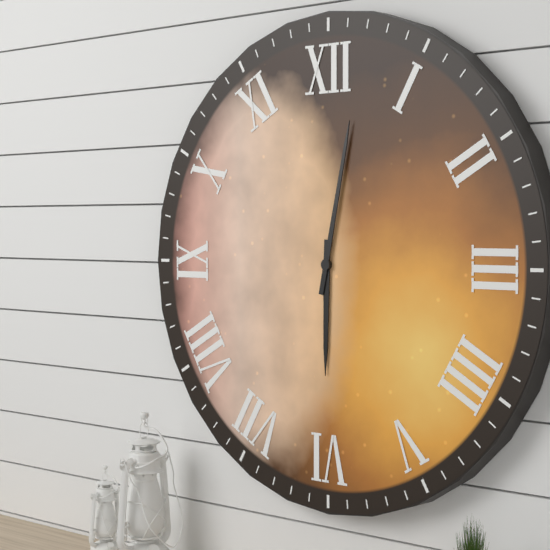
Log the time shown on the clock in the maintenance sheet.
6:02
